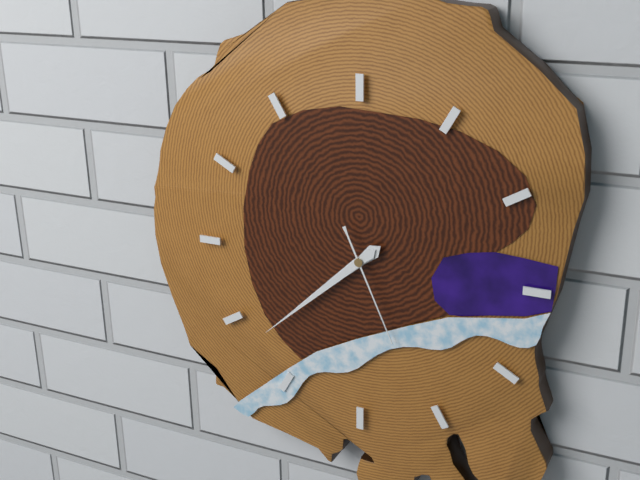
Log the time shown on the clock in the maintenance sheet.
7:38:26
